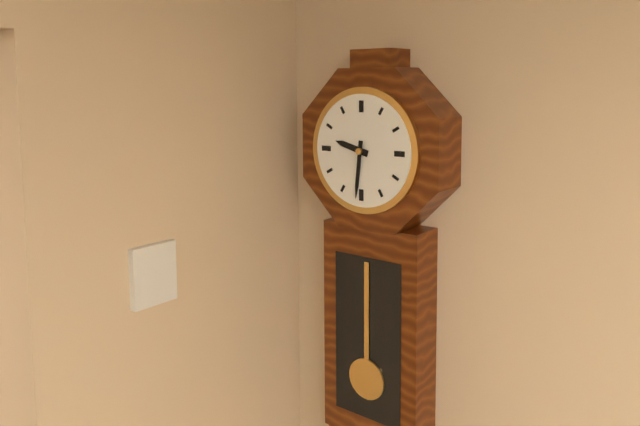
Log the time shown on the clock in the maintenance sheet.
9:31
